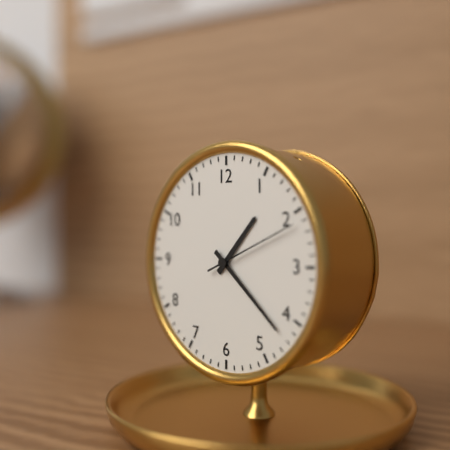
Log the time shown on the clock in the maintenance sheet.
1:22:11
